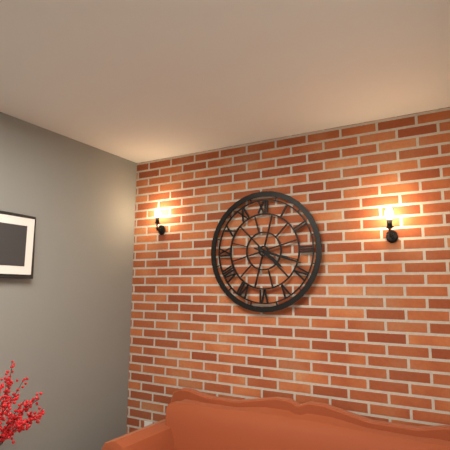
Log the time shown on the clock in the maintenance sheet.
4:18
